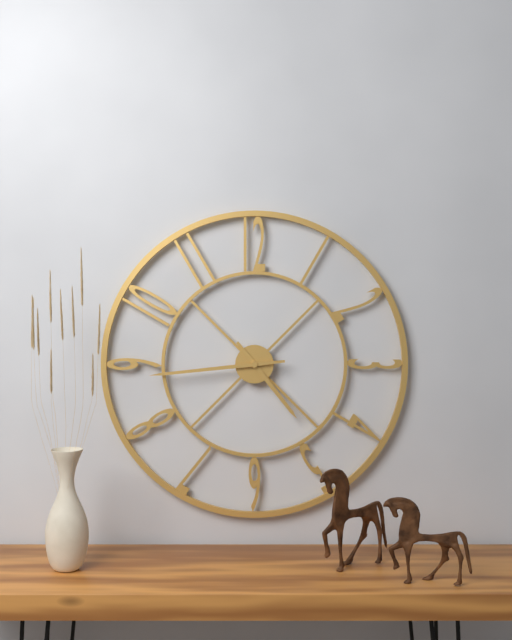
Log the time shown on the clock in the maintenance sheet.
4:44
